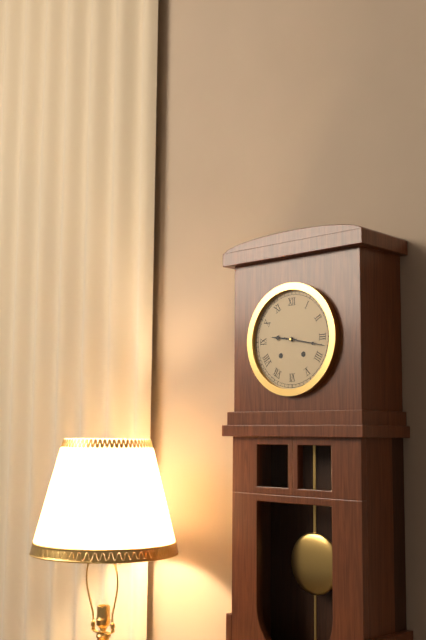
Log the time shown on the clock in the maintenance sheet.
9:17
